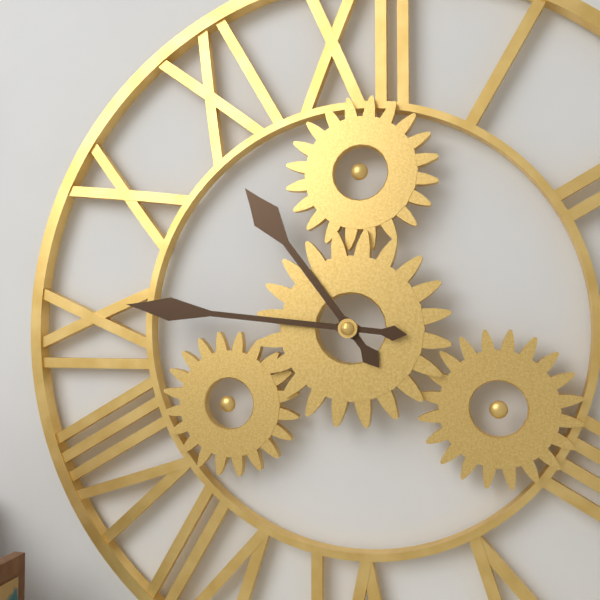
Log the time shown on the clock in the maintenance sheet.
10:46
